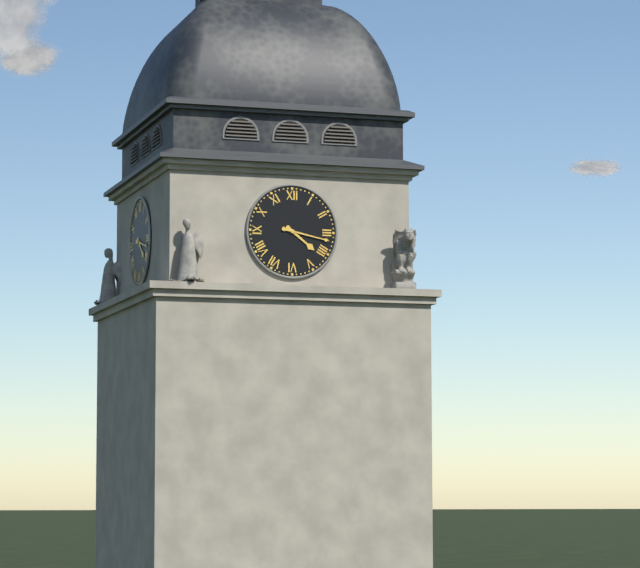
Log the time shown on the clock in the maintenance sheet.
4:17
